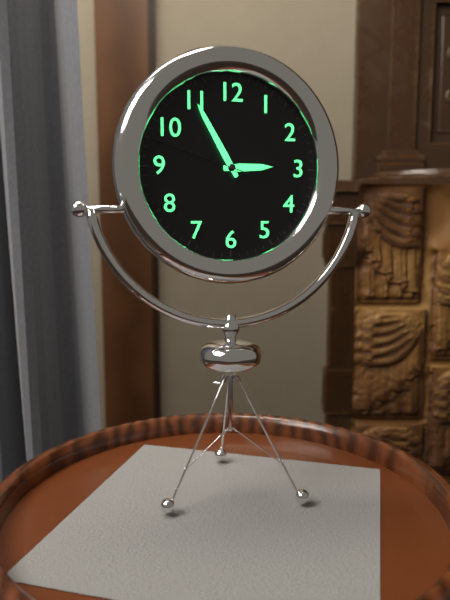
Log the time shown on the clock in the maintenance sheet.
2:55:48
